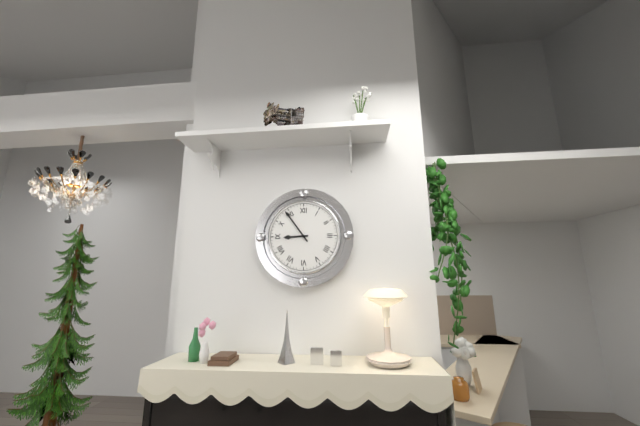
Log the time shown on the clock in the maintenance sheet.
8:54
